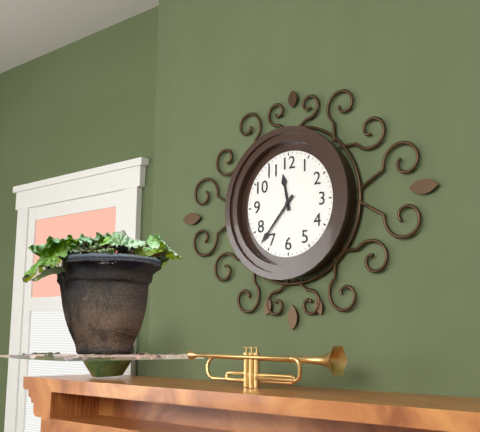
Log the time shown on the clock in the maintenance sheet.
11:37
